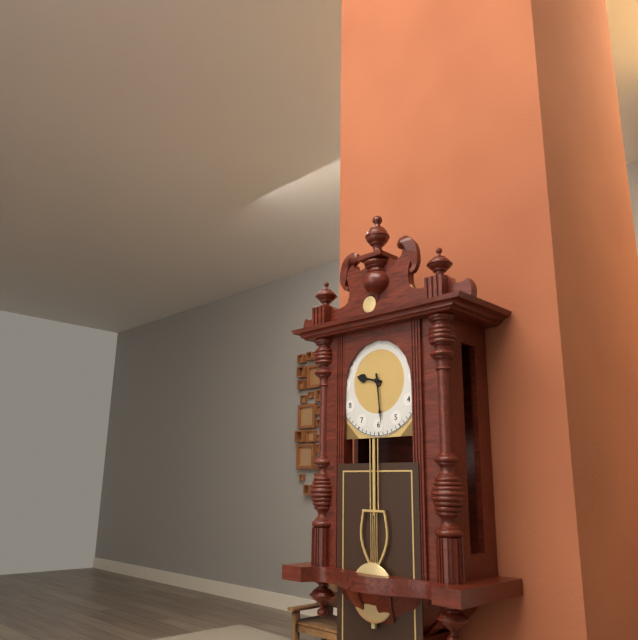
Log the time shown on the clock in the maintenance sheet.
9:29
